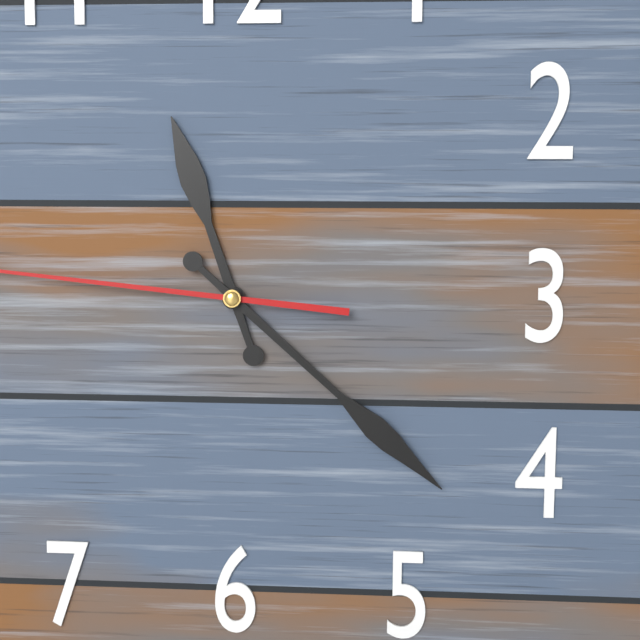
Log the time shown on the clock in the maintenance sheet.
11:22
